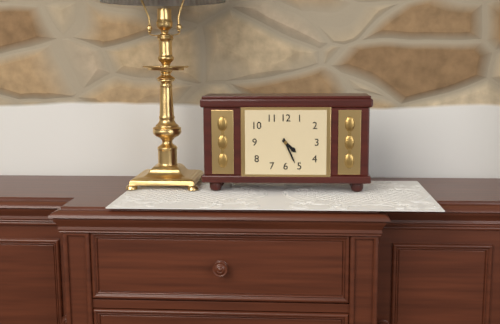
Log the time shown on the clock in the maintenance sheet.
4:26
